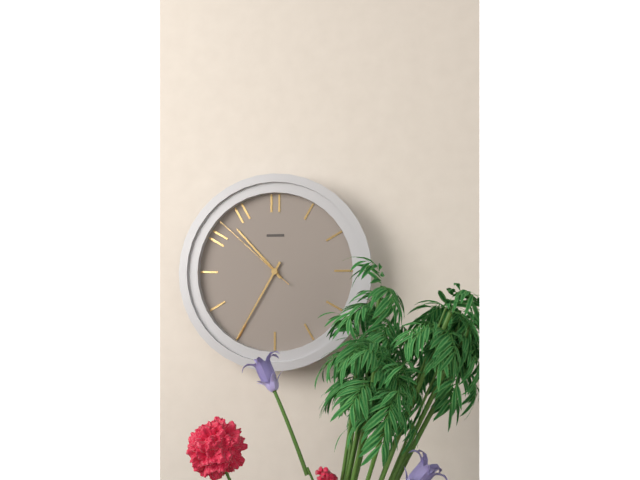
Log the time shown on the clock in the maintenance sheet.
10:35:52
